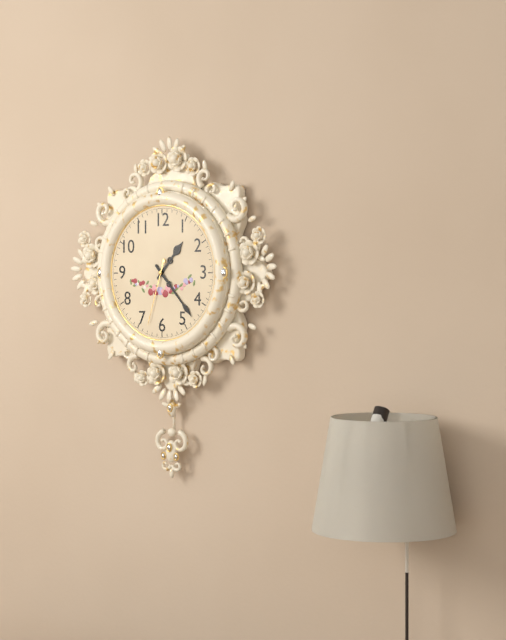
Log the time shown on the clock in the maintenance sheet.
1:23:33
